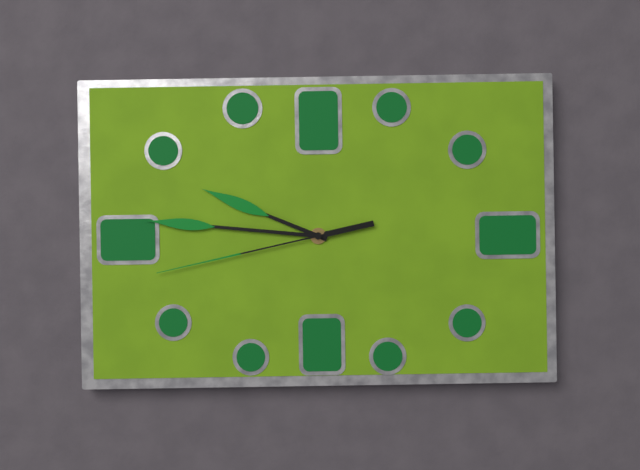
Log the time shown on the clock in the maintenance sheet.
9:46:43
